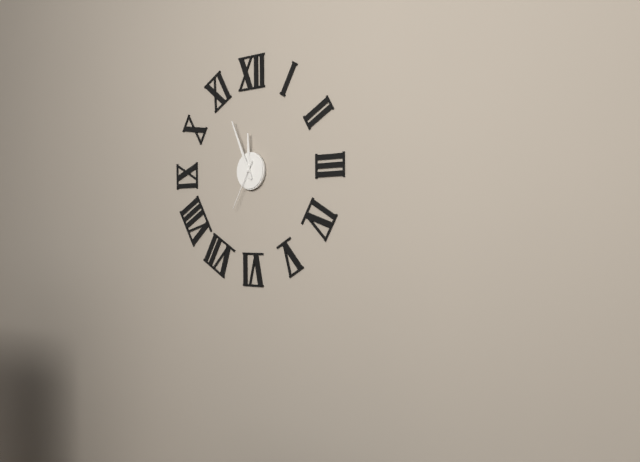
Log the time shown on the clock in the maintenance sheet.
11:56:35
